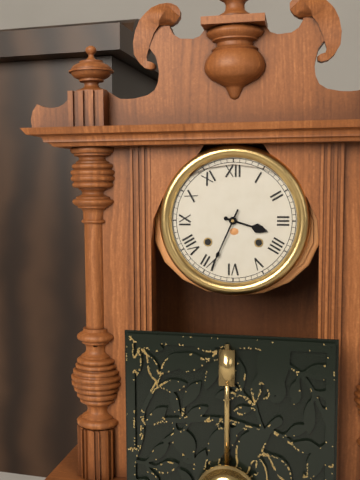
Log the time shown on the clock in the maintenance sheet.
3:34
